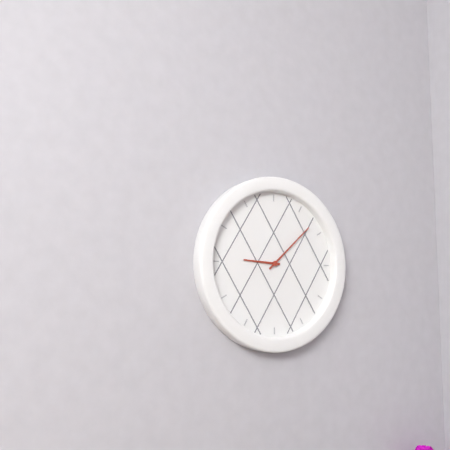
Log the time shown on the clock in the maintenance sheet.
9:08
